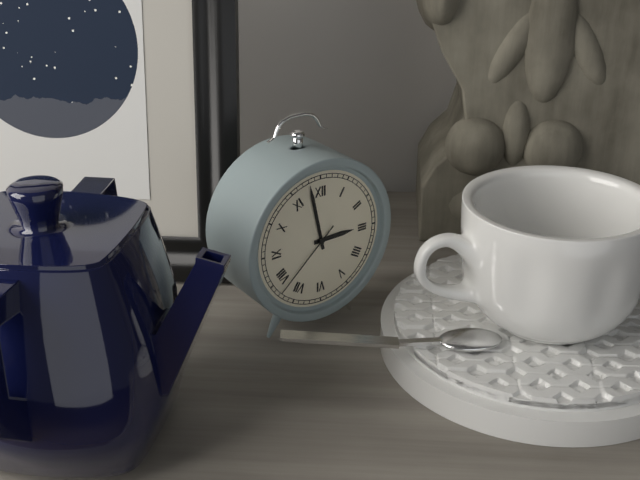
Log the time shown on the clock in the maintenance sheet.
2:58:38
